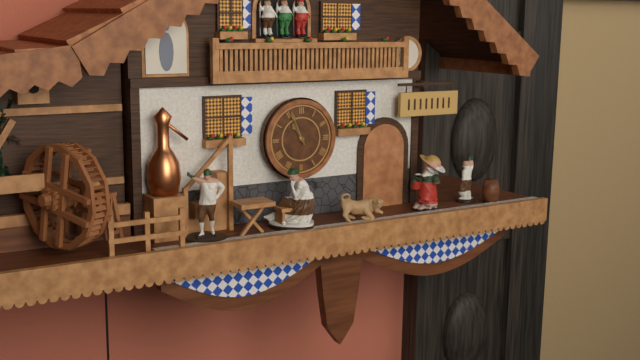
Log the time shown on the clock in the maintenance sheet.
10:56
